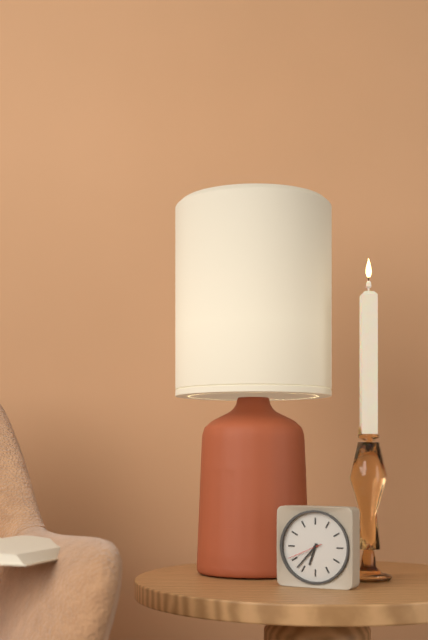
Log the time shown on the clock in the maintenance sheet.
6:37
